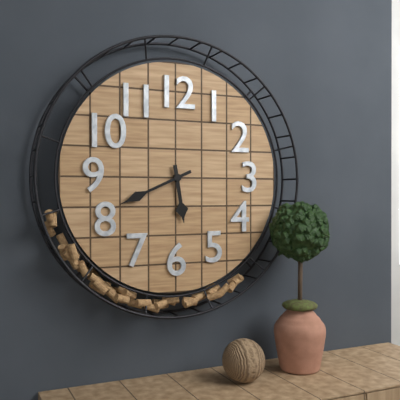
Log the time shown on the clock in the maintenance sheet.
5:41
